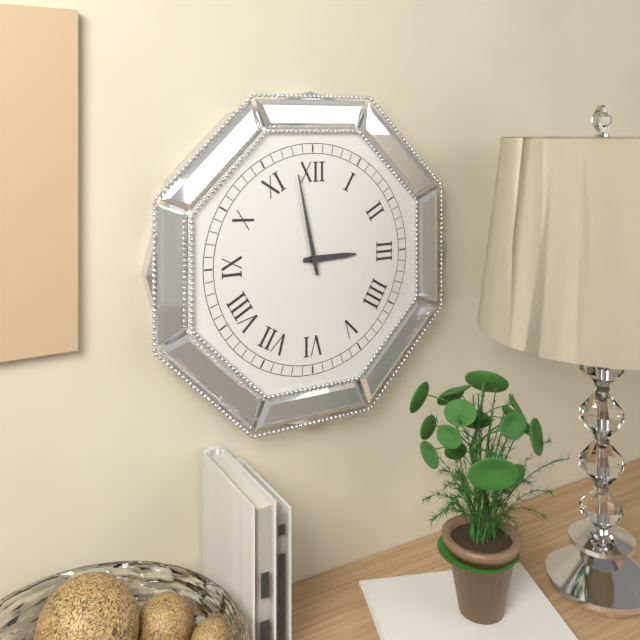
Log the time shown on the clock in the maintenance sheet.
2:58
